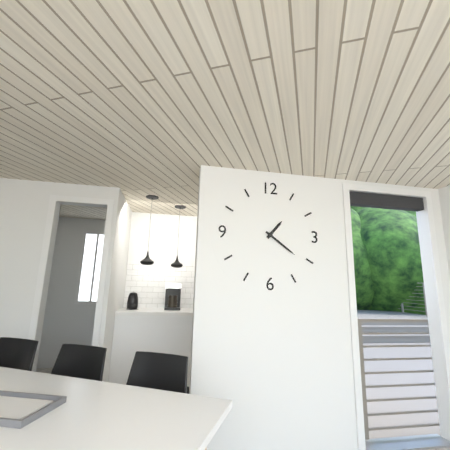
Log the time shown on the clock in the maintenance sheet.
1:21
